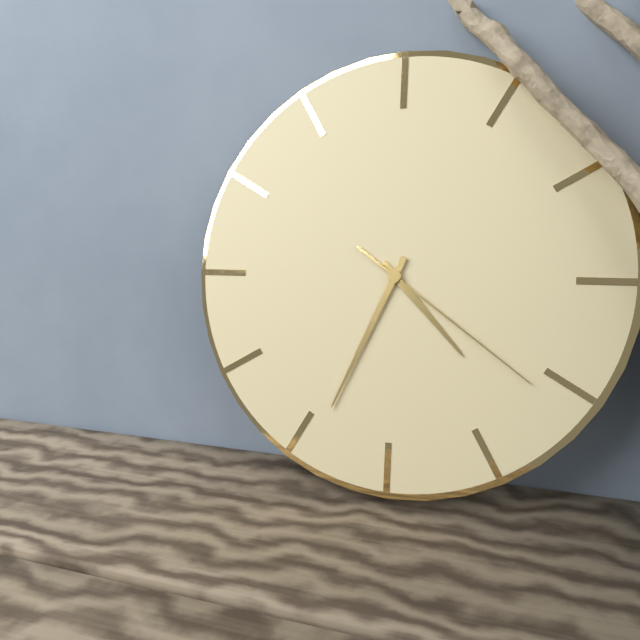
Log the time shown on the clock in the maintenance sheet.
4:34:21
